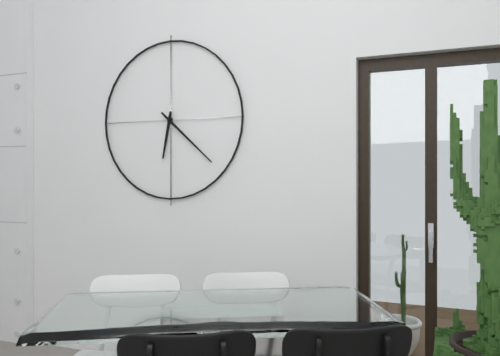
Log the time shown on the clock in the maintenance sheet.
6:22
